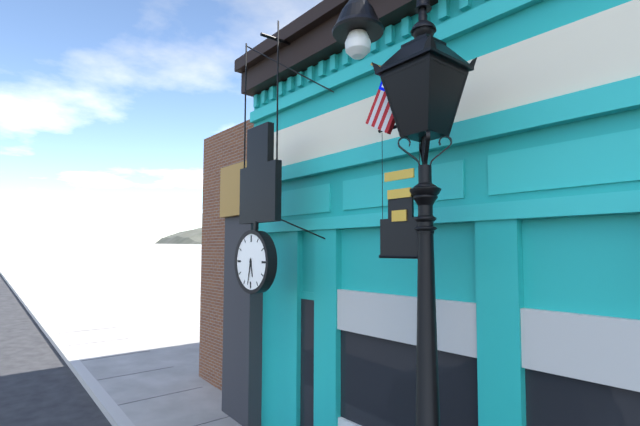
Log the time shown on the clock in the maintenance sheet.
5:32
